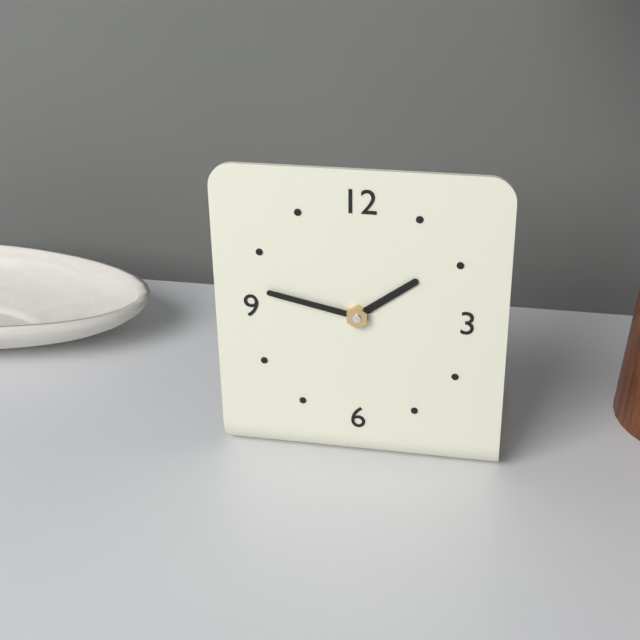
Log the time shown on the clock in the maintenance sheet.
1:47
